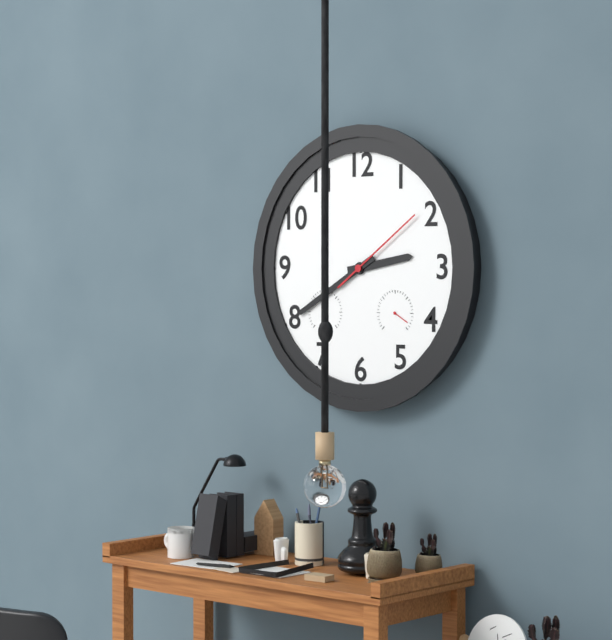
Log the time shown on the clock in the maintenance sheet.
2:40:09
